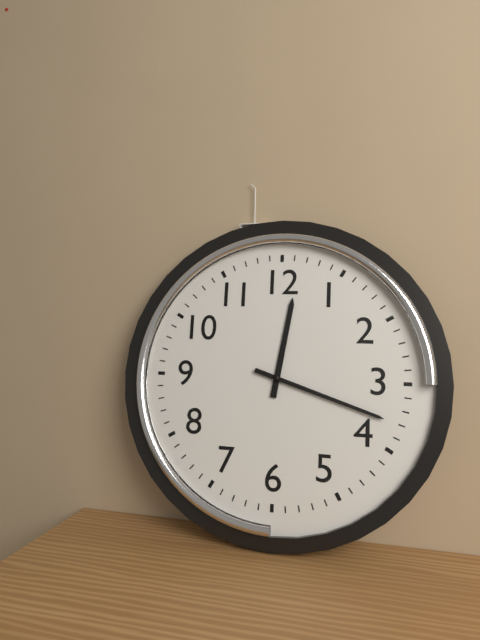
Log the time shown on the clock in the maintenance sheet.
12:18
